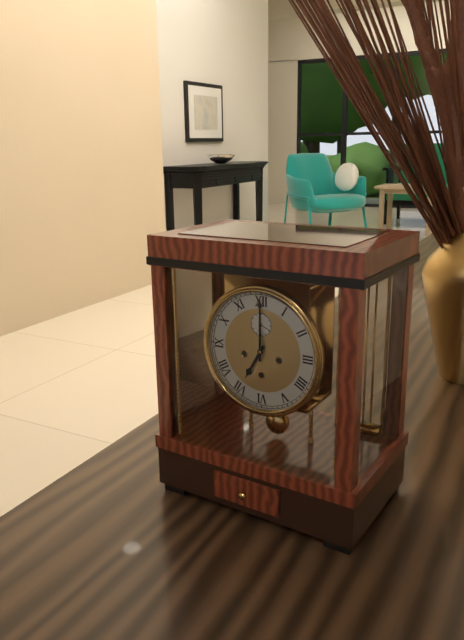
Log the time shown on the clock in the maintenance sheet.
7:00
